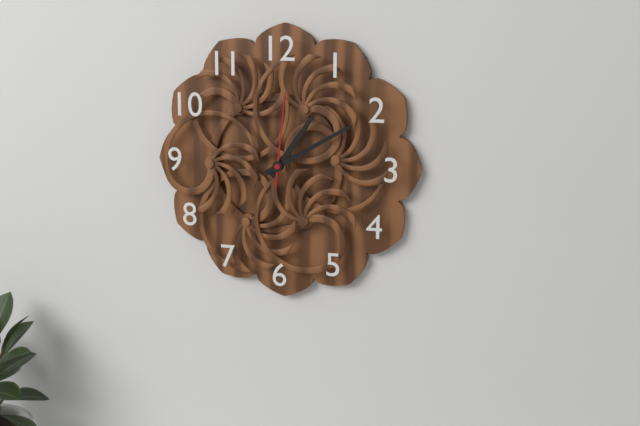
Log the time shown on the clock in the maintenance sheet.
1:10:01
